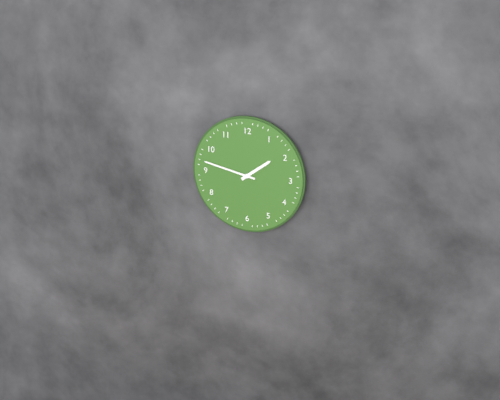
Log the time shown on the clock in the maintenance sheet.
1:47
